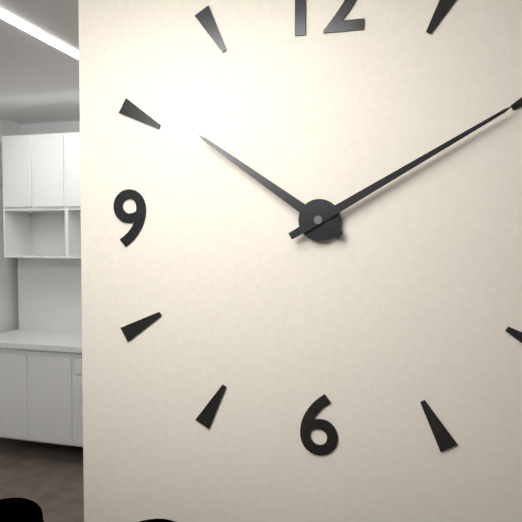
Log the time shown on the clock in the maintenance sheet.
10:10
